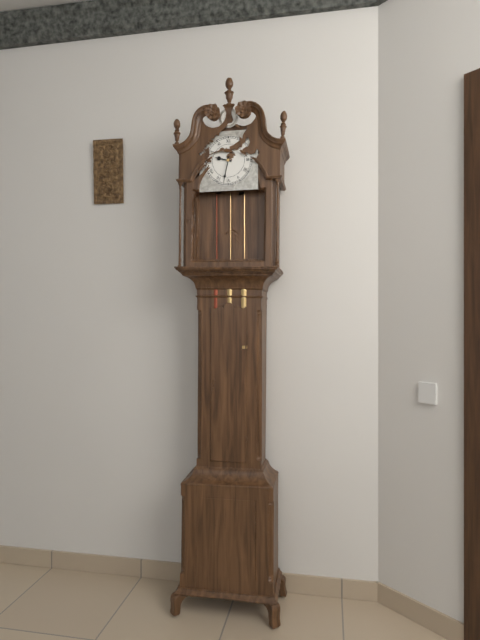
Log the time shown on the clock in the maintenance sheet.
9:32
